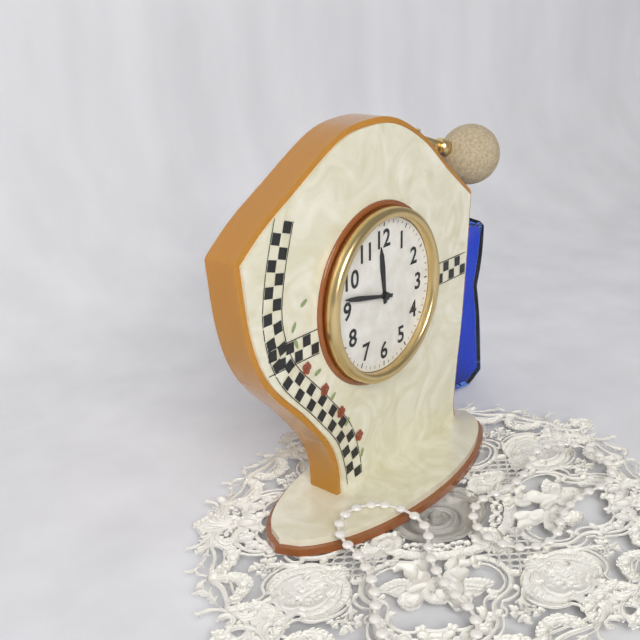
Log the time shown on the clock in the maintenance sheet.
11:47
